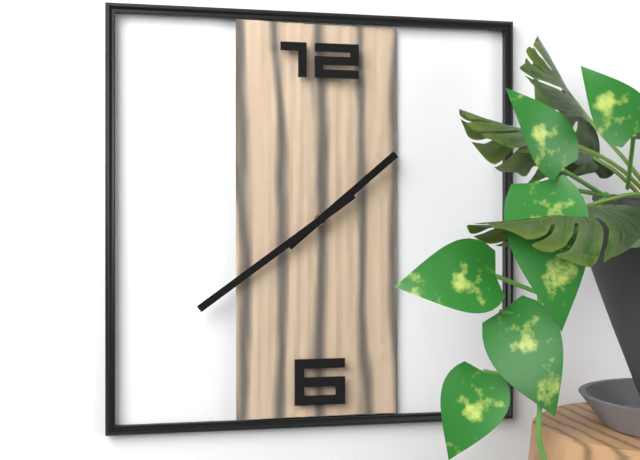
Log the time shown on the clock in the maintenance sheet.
1:39
